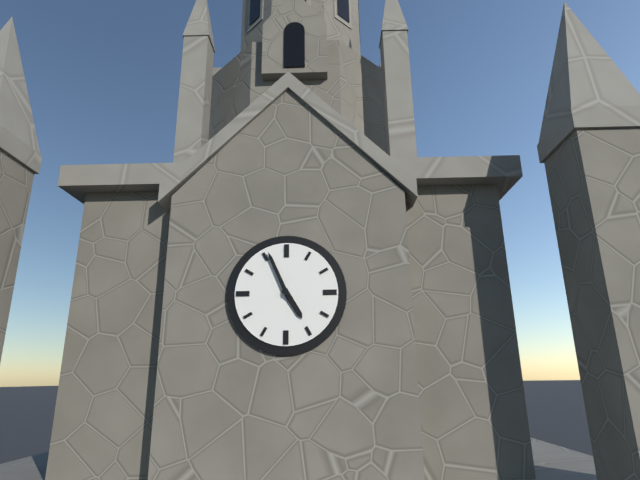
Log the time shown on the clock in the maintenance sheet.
4:56
